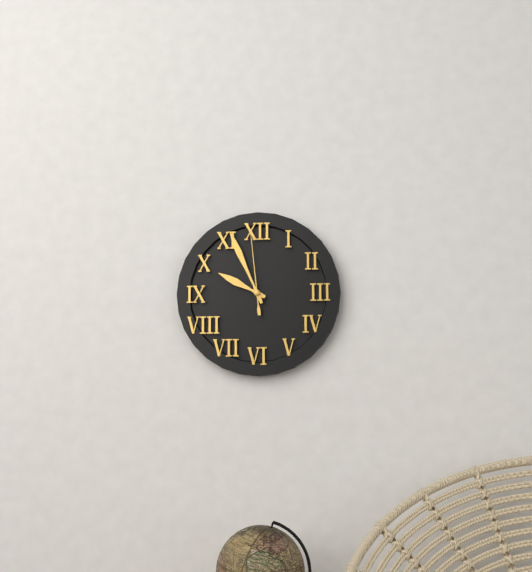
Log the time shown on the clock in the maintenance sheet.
9:56:59
